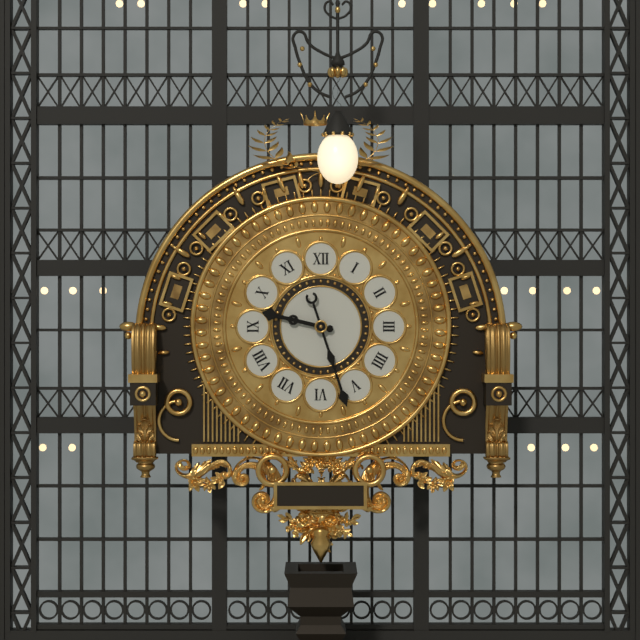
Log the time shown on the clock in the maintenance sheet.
9:27
